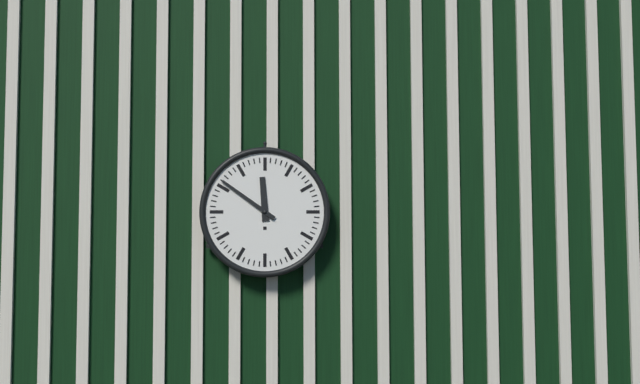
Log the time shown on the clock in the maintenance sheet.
11:51
